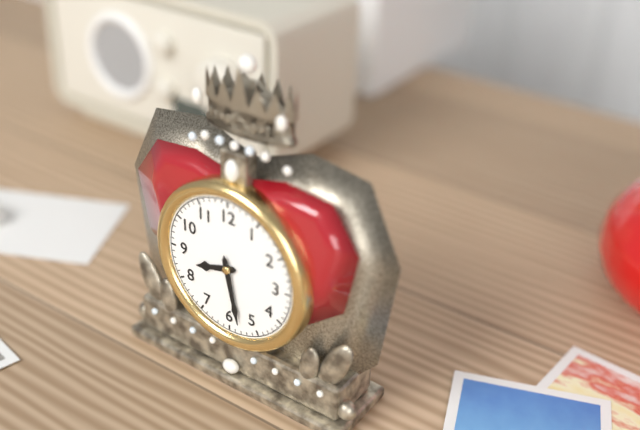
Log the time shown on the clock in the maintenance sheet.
8:28
